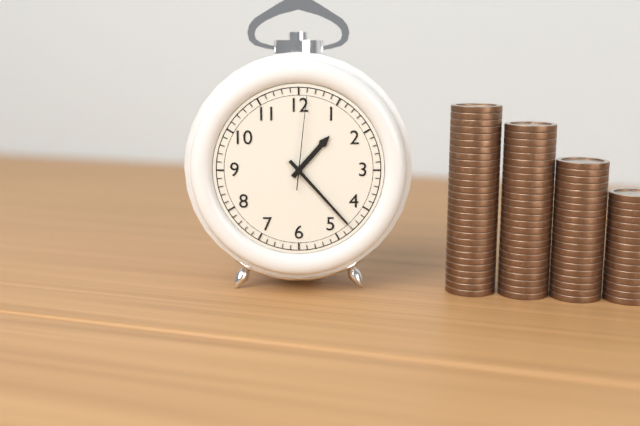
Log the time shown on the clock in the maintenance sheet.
1:23:01
